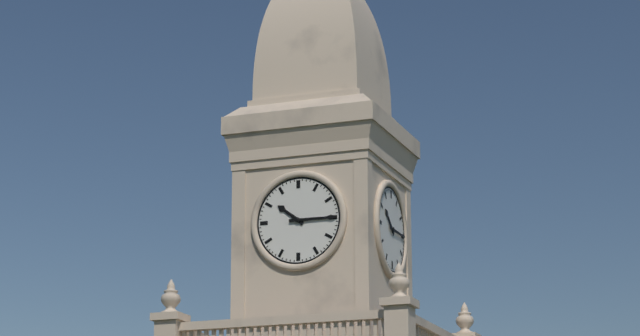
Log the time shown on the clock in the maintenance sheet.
10:15
